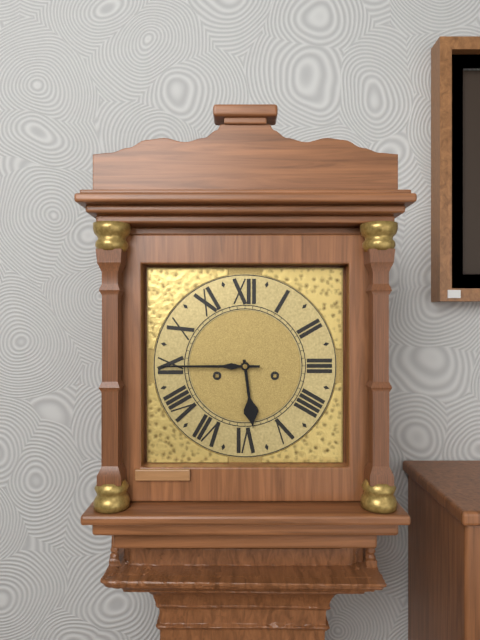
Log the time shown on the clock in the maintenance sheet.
5:45
